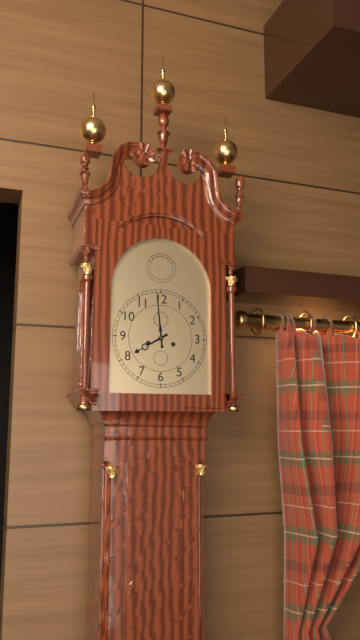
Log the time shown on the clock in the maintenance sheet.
7:59
